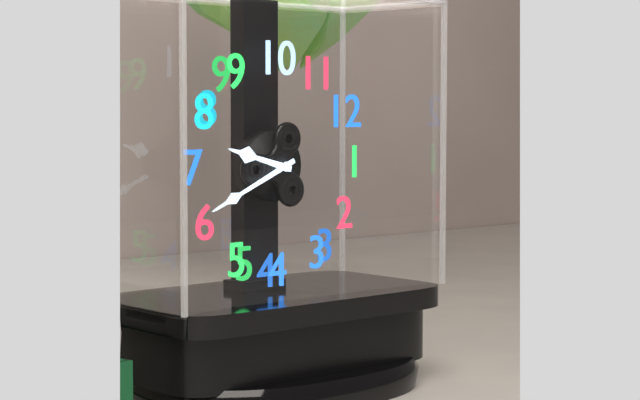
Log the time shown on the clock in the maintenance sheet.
7:31
